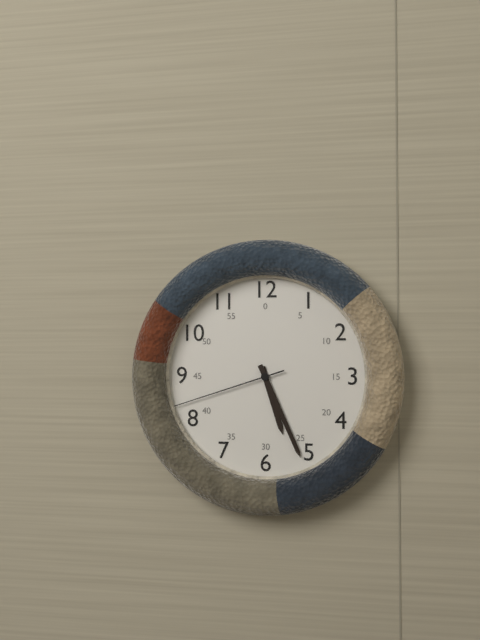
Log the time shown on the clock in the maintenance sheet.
5:26:42
